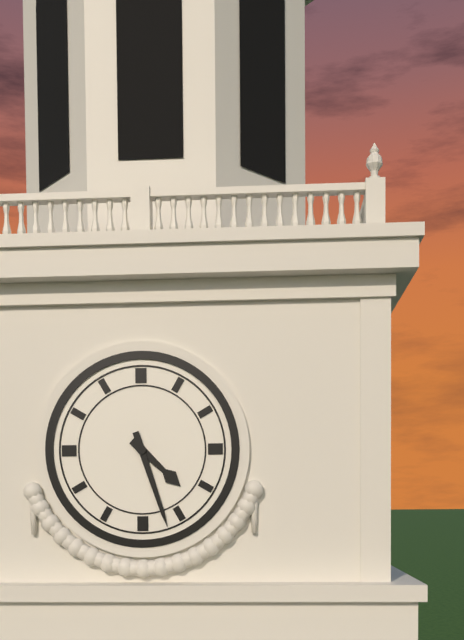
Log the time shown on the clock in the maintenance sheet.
4:27
